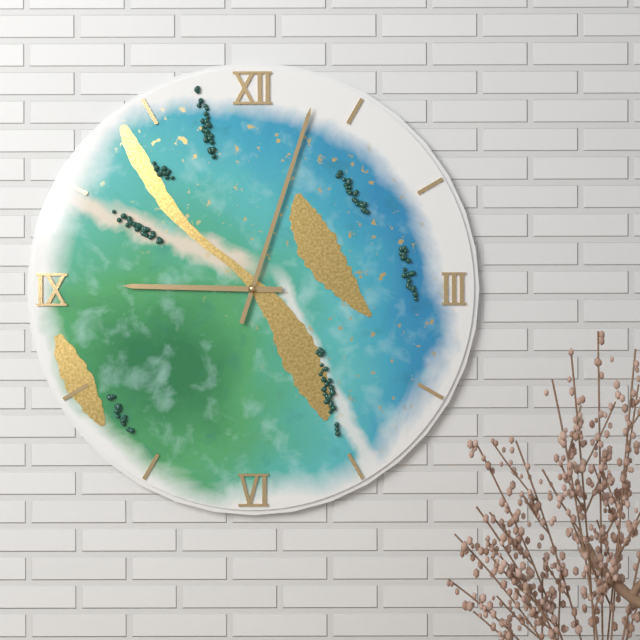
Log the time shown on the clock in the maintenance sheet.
9:03
